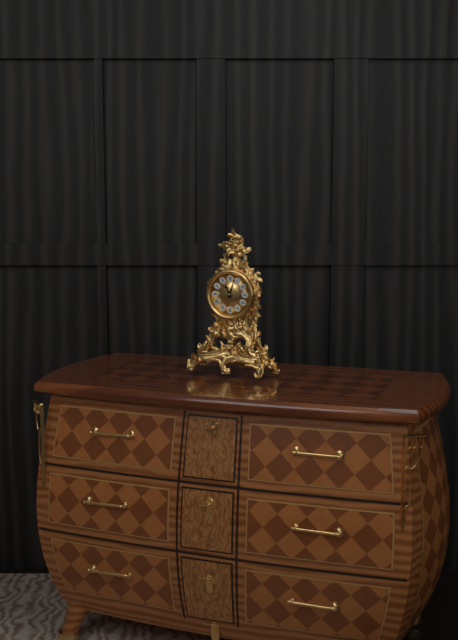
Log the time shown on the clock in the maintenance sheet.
11:03
